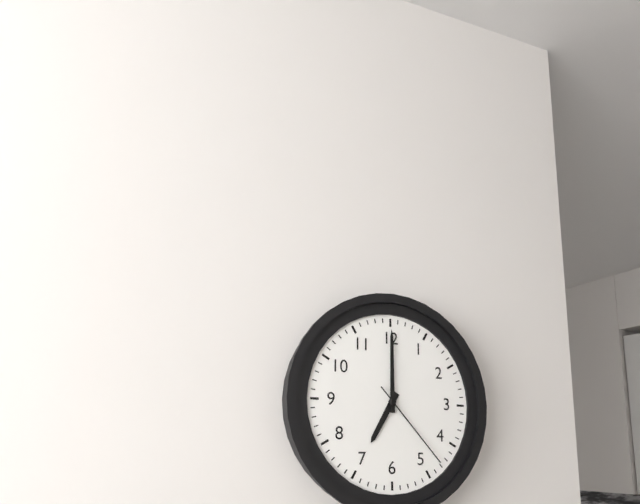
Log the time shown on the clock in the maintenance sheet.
7:00:23
